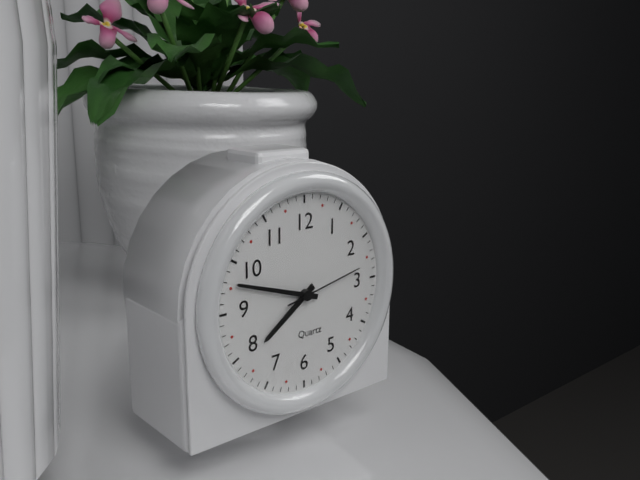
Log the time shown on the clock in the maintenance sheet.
7:48:13
